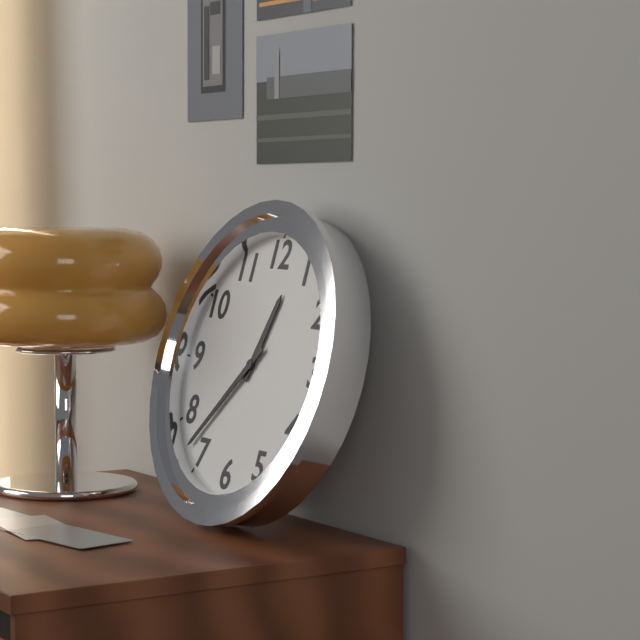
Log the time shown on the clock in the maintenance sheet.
12:37
